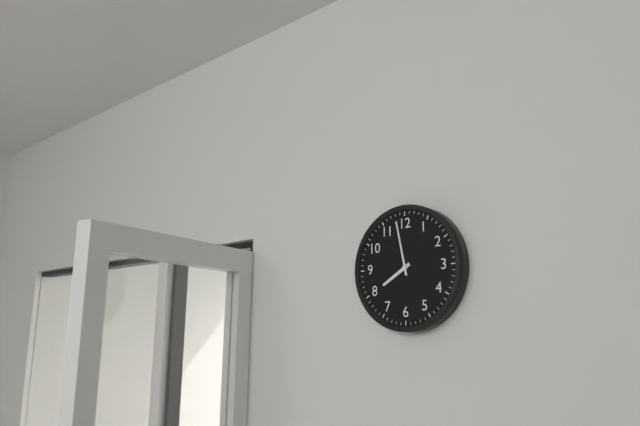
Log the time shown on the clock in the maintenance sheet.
7:58
